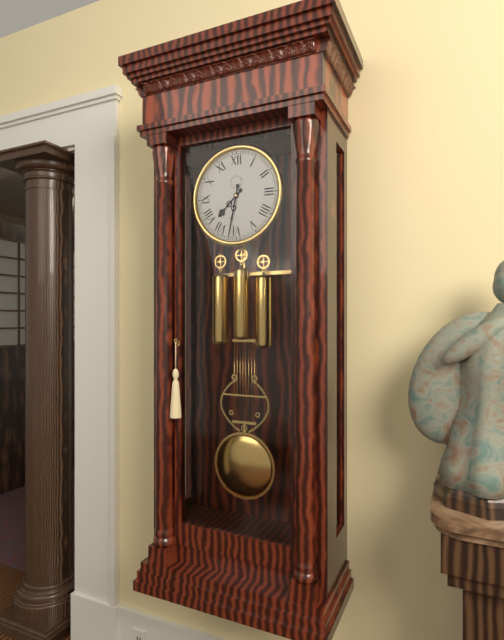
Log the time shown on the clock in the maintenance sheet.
7:32
